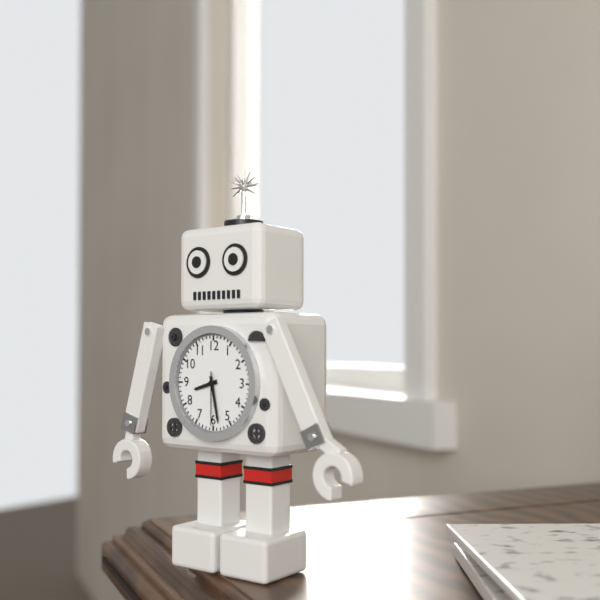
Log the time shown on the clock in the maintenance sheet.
8:28:30
